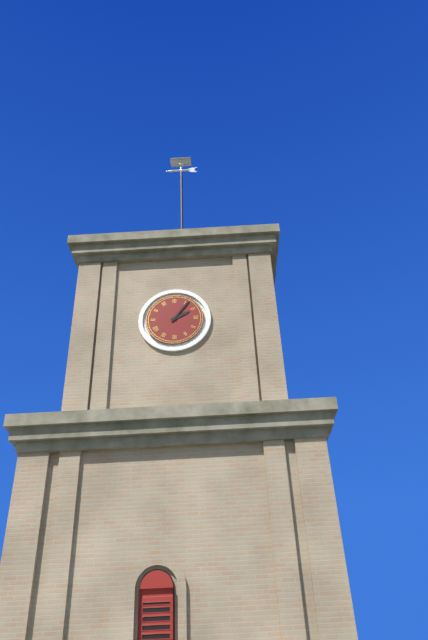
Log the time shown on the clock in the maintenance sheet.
2:06
